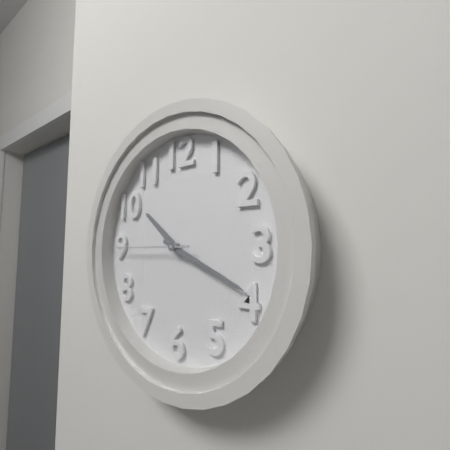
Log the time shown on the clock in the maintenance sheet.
10:19:45
